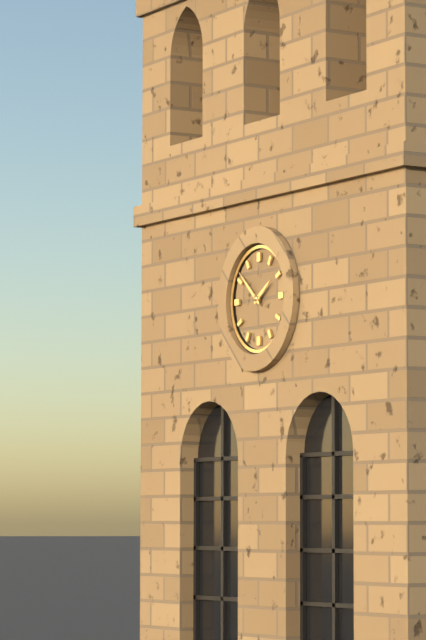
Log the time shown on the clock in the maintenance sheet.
1:52
